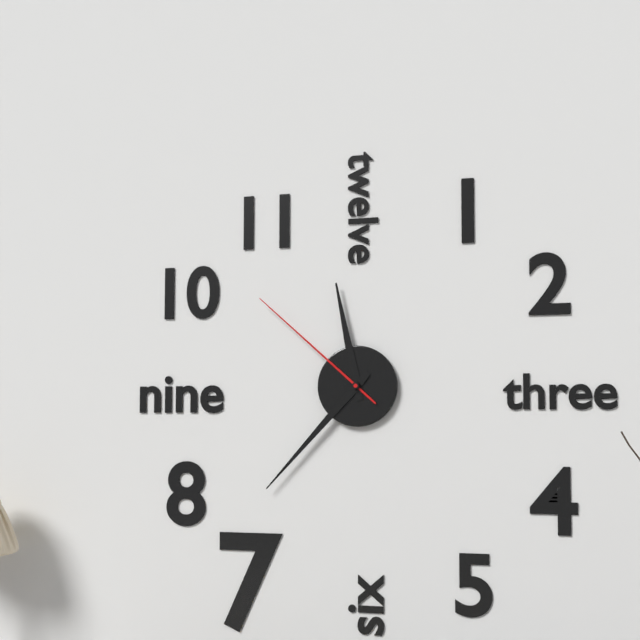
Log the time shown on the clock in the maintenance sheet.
11:37:52
